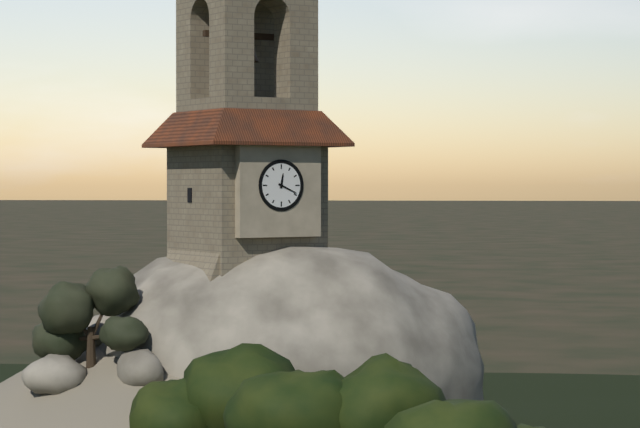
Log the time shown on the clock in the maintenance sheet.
12:19
